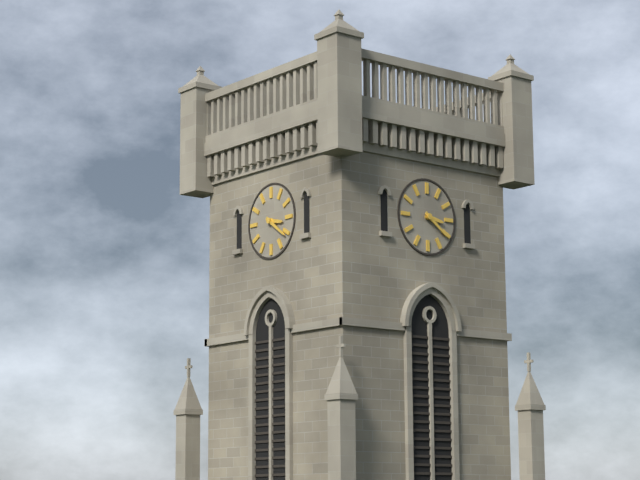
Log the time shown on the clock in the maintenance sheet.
3:21
